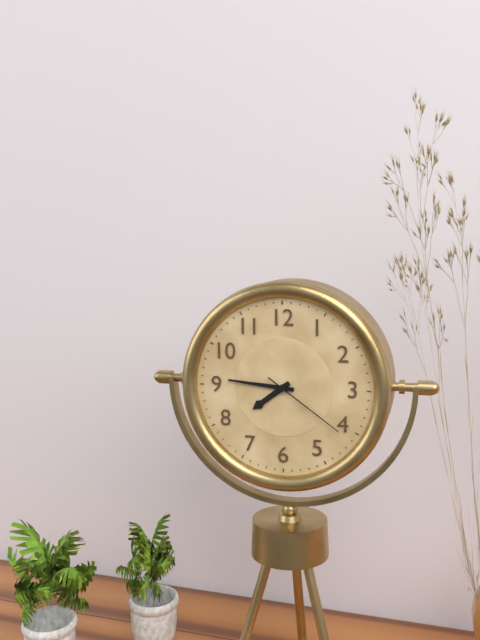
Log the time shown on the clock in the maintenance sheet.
7:46:21
